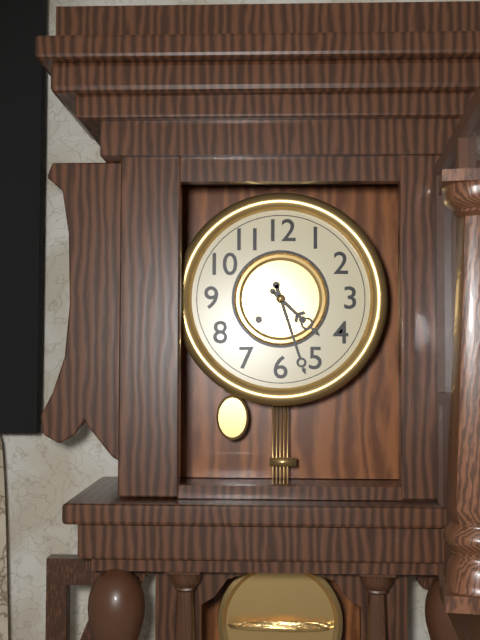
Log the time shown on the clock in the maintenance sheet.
4:27
